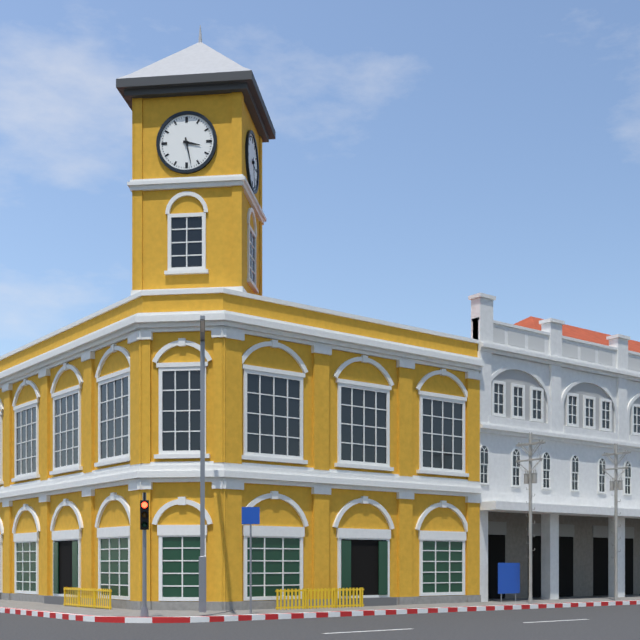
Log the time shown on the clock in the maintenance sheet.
3:28
